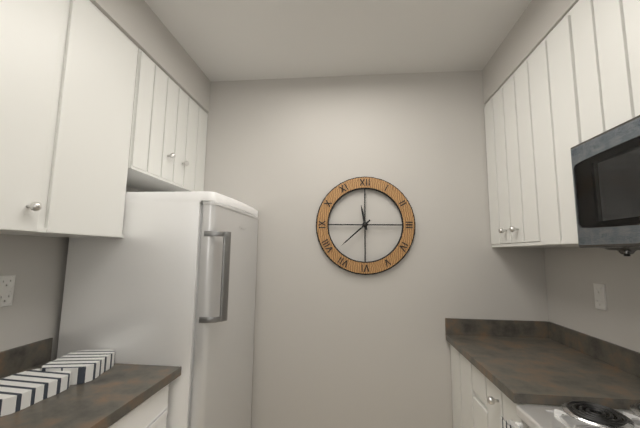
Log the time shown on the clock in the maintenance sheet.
11:38
